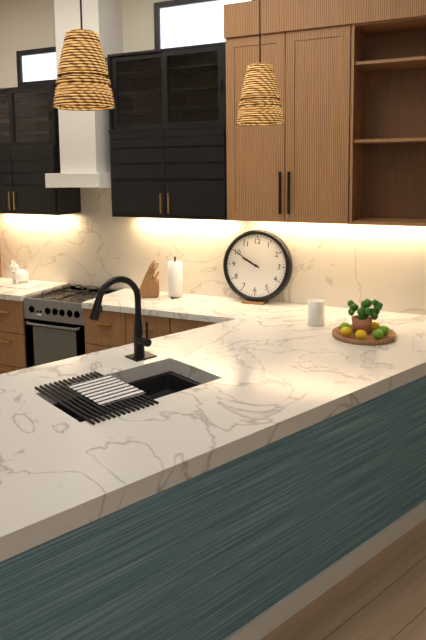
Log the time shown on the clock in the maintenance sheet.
9:50
